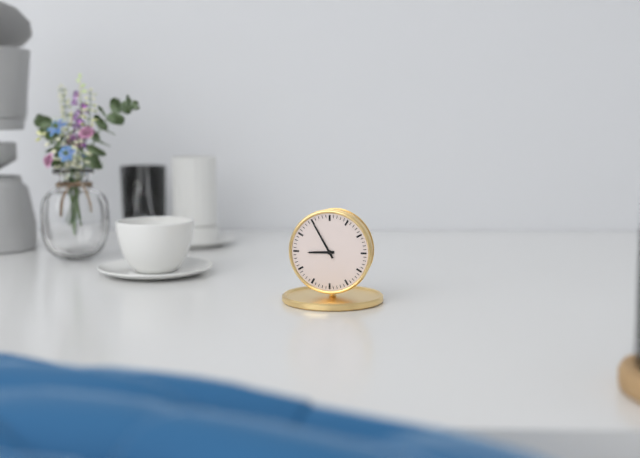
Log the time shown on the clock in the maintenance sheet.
8:55
